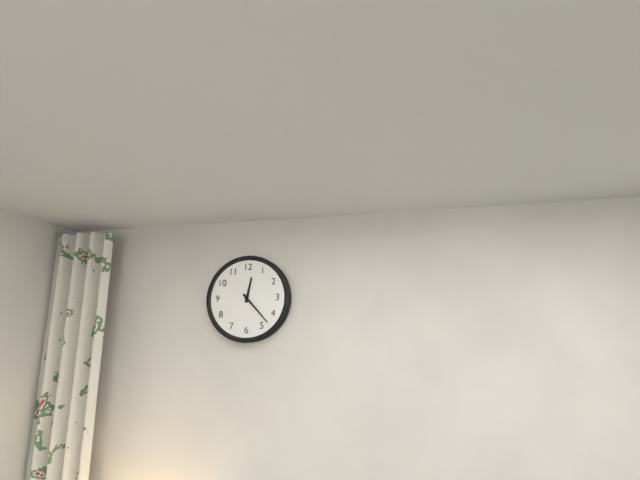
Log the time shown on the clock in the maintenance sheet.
12:23
